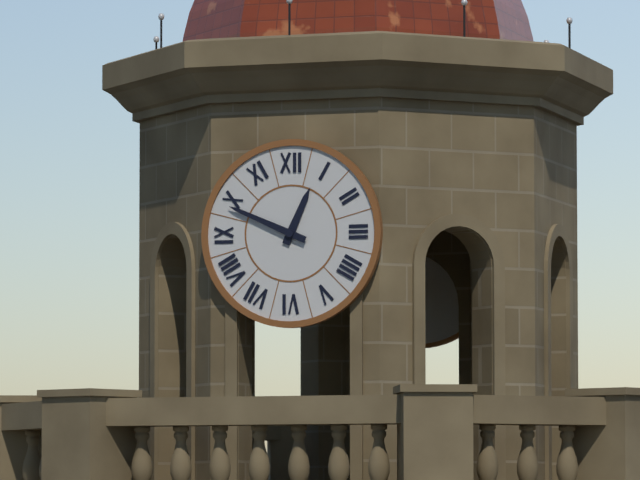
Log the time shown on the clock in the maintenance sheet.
12:49
